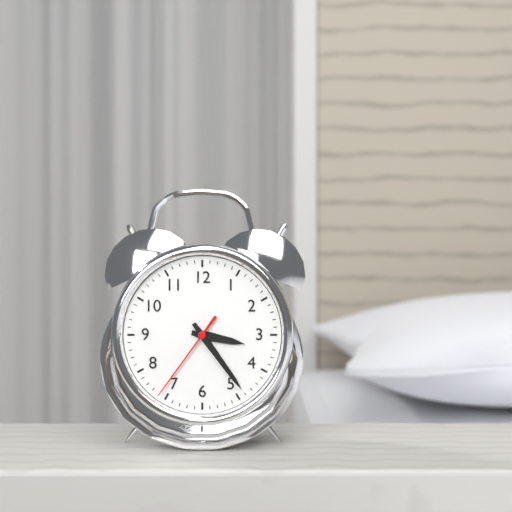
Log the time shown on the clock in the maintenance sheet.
3:24:36
